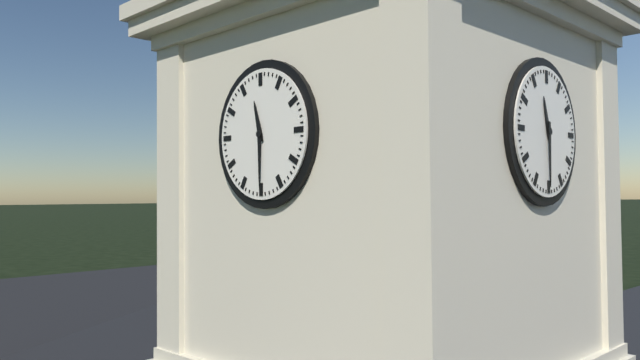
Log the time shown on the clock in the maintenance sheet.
11:30
